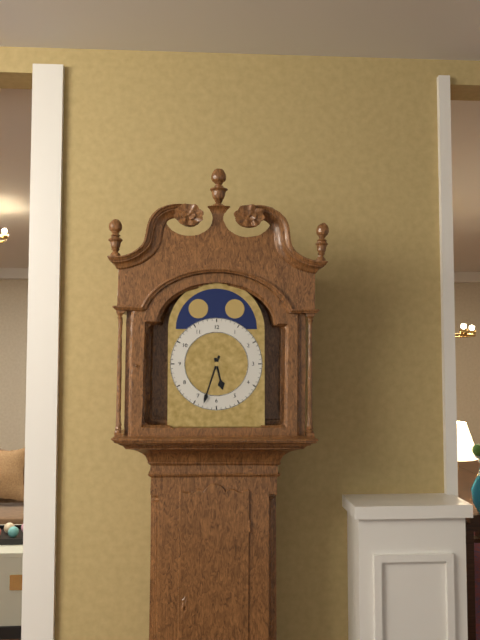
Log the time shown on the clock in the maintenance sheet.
5:33
